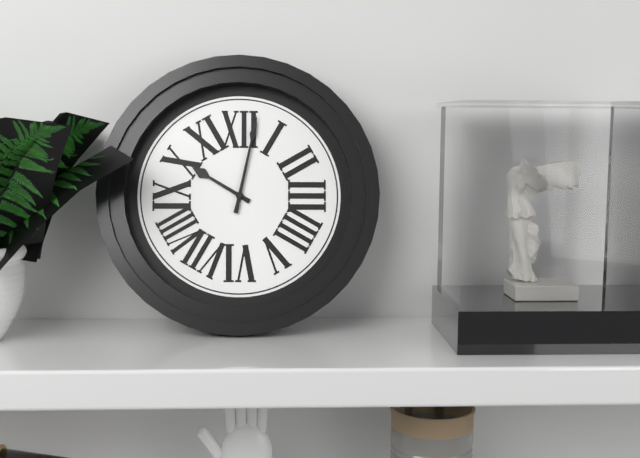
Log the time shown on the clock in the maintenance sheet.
10:02
